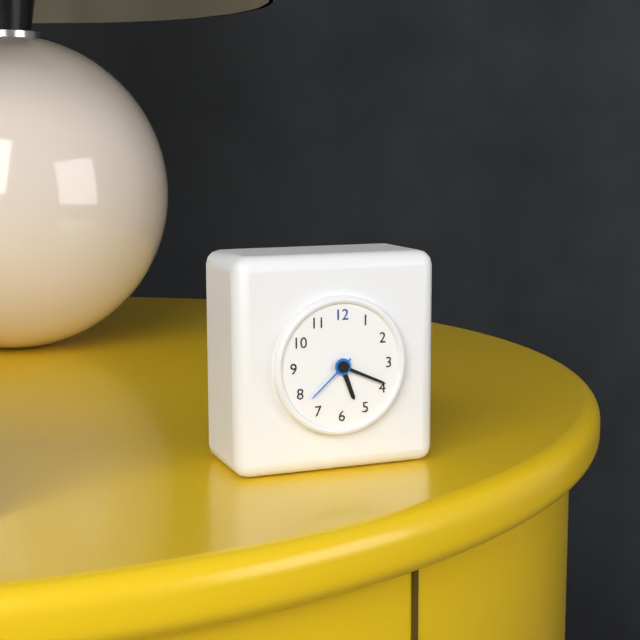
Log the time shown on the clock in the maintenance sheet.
5:19:38
